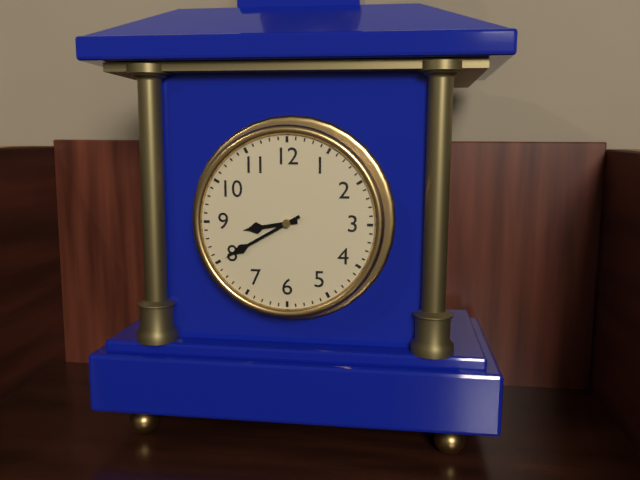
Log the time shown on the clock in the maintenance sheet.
8:40
